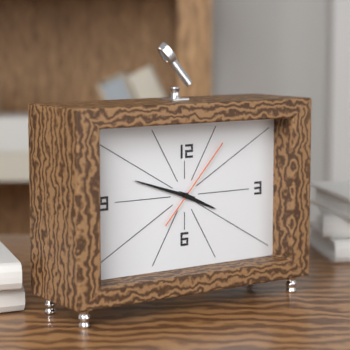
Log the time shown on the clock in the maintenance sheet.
3:48:07
